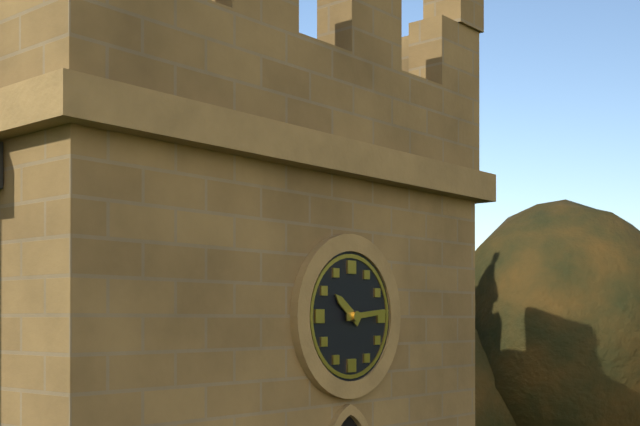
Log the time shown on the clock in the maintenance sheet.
10:14
